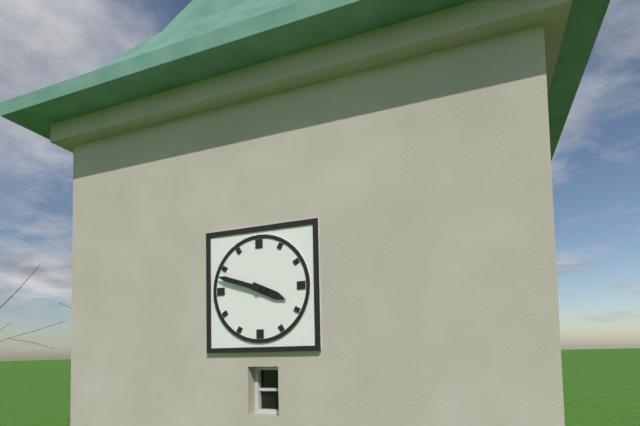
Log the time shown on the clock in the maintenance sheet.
3:48
